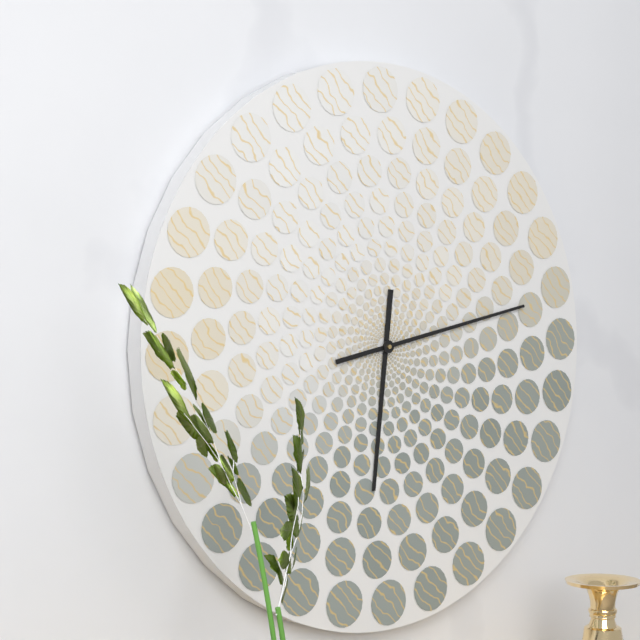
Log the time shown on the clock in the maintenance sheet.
6:13
